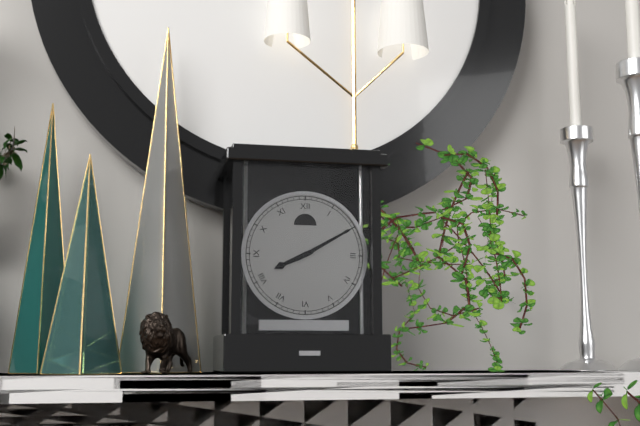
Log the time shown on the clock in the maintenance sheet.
8:10
